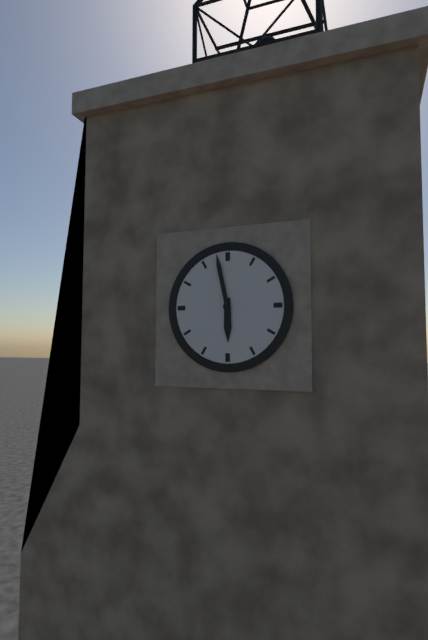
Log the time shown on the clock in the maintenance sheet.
5:58
